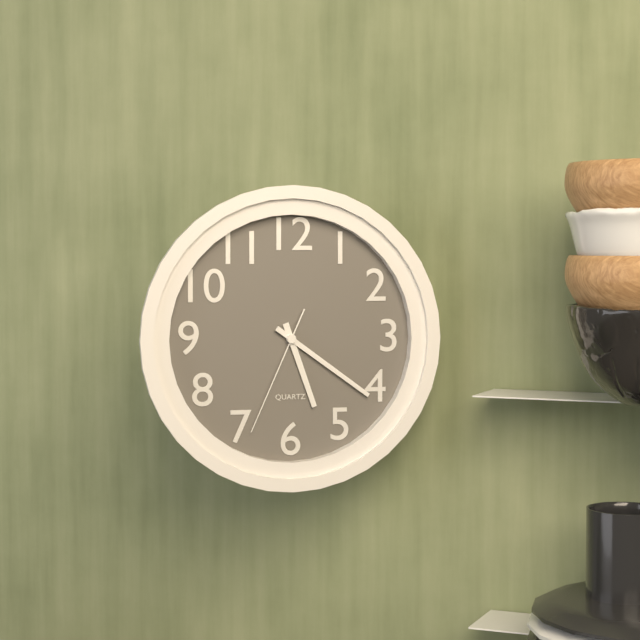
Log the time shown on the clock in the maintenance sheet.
5:21:34
